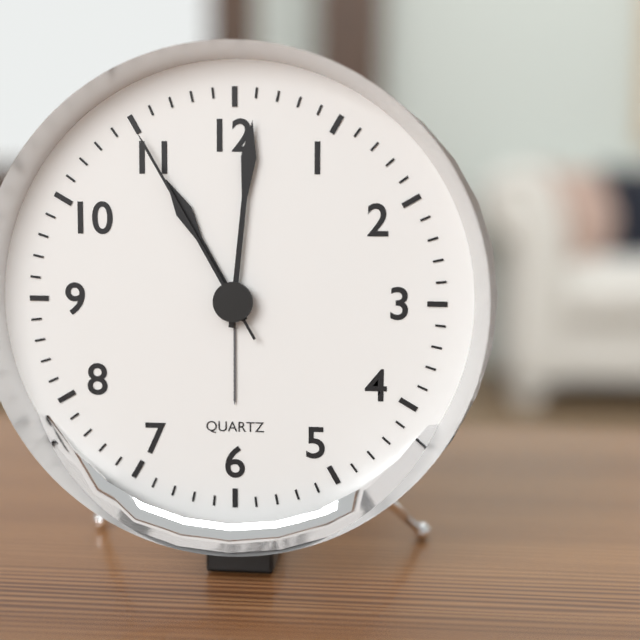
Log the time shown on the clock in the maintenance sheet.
11:01:55
